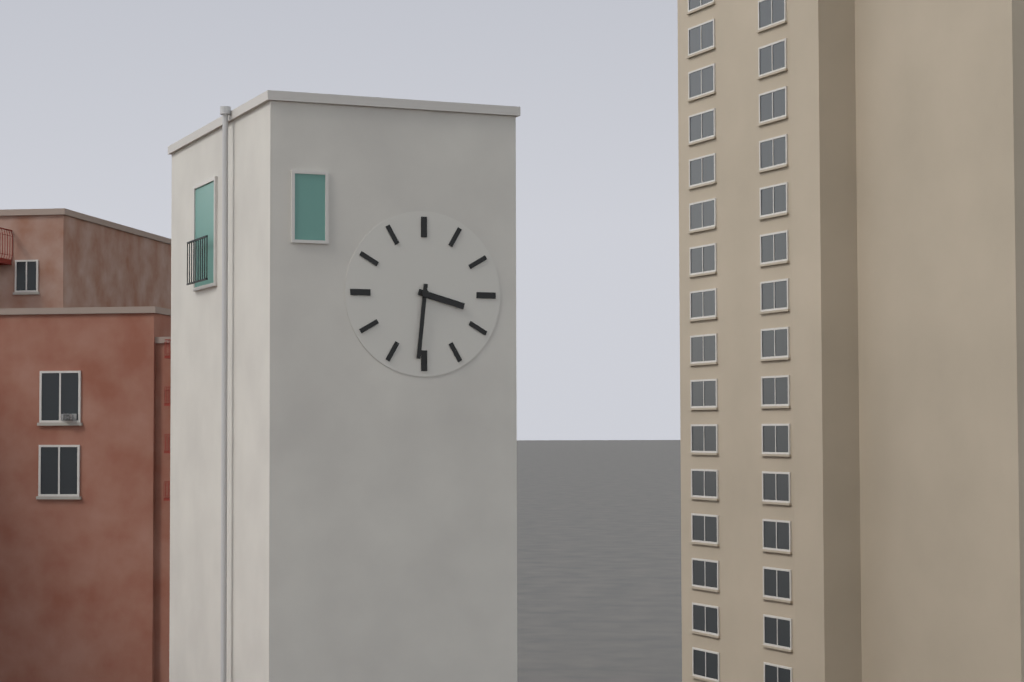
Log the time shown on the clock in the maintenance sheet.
3:31
